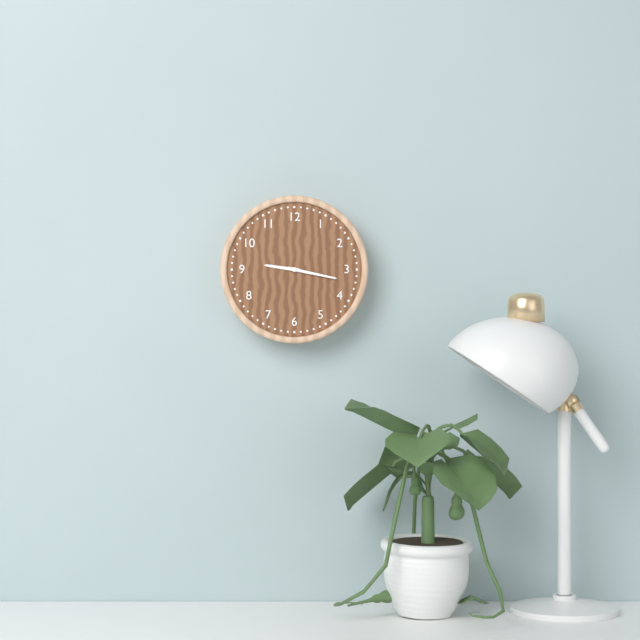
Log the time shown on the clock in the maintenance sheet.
9:17
